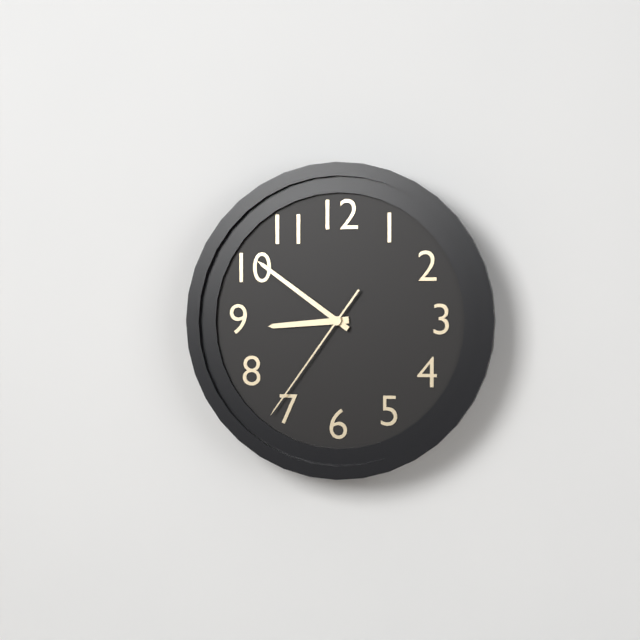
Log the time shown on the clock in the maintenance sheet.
8:51:36
